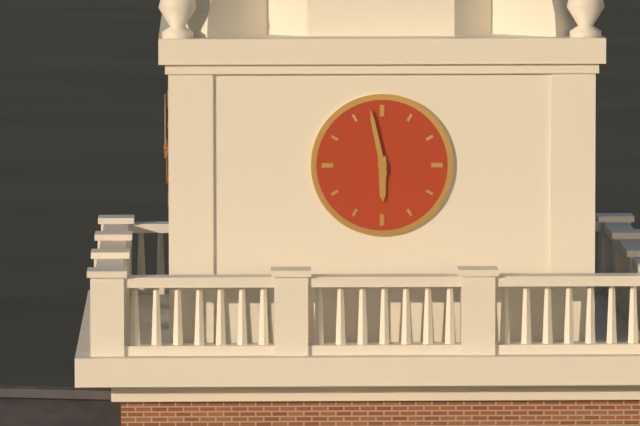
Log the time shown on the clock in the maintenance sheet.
5:58
